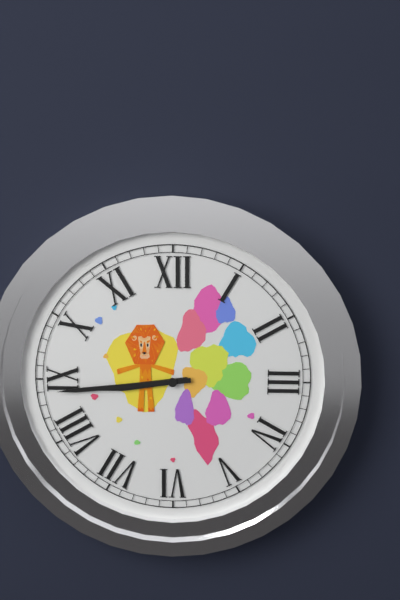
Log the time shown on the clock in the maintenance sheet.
8:44
